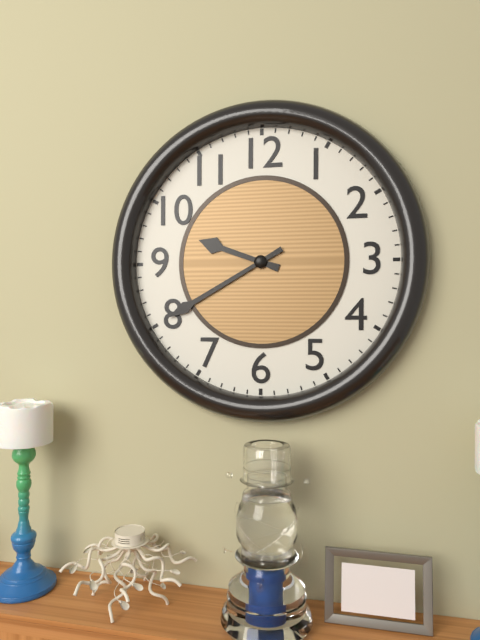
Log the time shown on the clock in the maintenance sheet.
9:40
